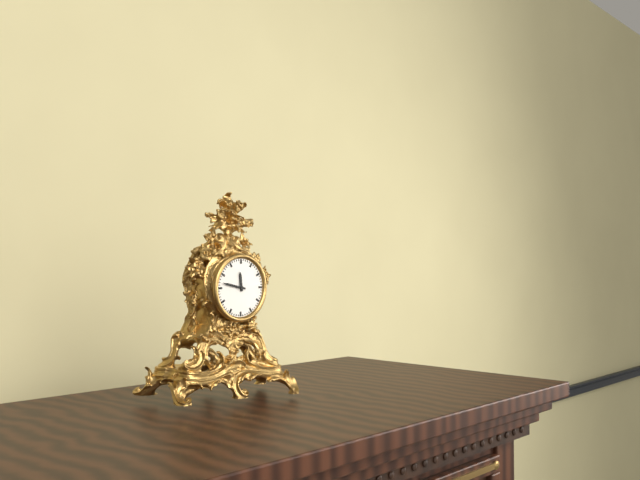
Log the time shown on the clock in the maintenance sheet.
11:47
